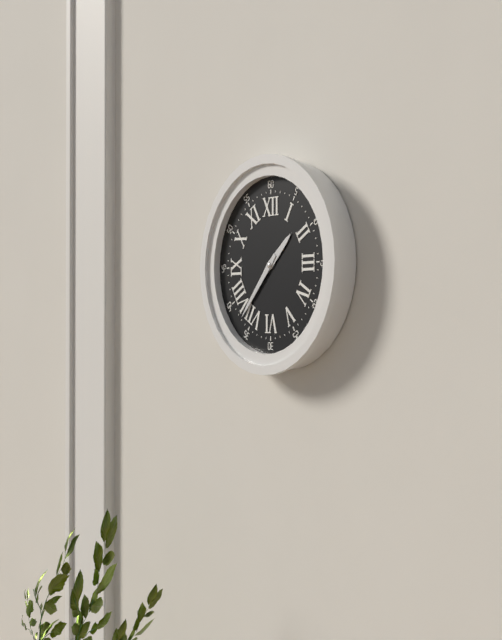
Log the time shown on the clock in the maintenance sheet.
1:37
